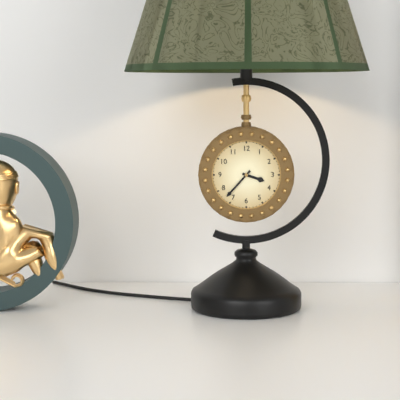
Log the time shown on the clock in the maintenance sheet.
3:37
